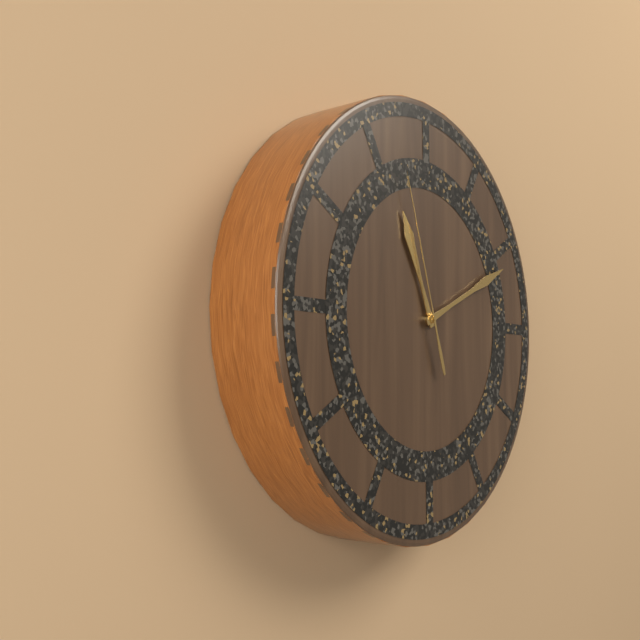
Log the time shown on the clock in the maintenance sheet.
11:11:57
